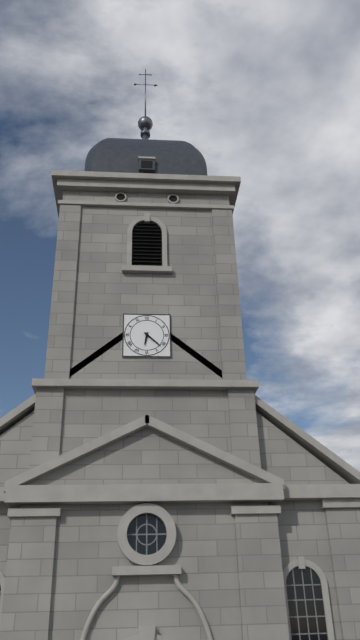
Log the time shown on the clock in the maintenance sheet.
6:22
